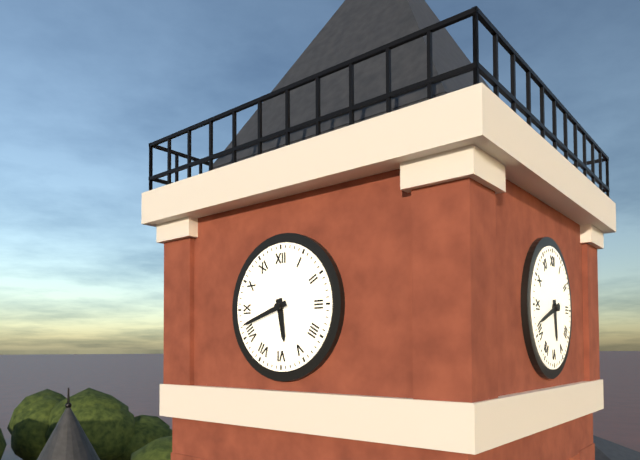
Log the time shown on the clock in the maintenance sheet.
5:42
